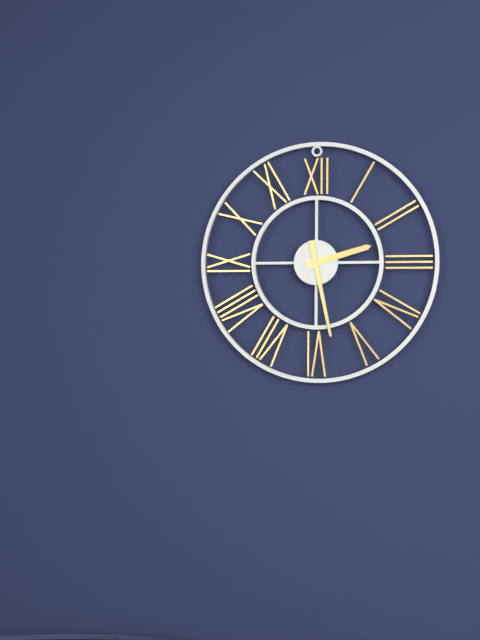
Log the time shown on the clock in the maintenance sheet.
2:28
